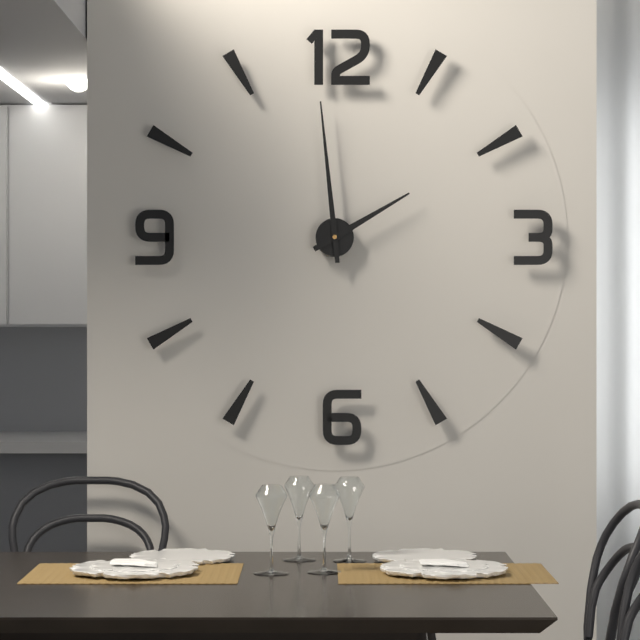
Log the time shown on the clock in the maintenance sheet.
1:59
